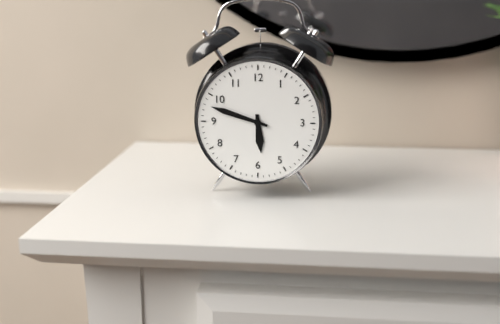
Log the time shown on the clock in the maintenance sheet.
5:48
